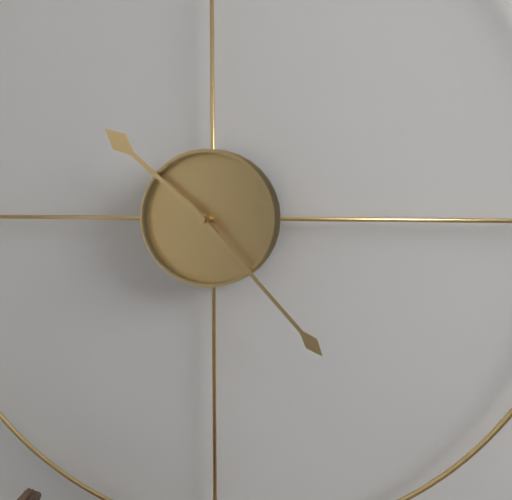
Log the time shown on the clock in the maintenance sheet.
10:23
